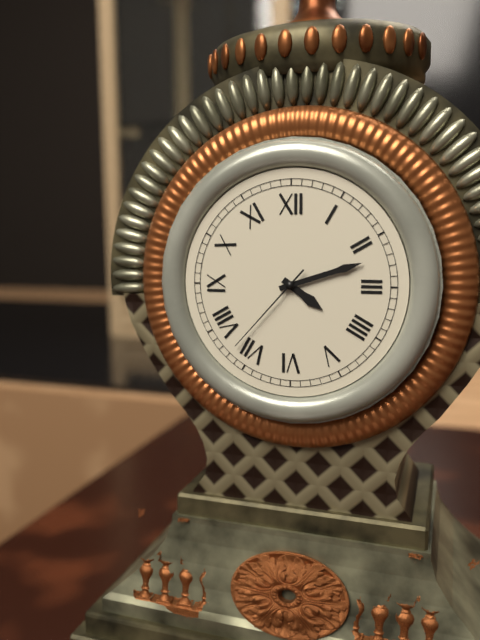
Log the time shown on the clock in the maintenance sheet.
4:12:37
